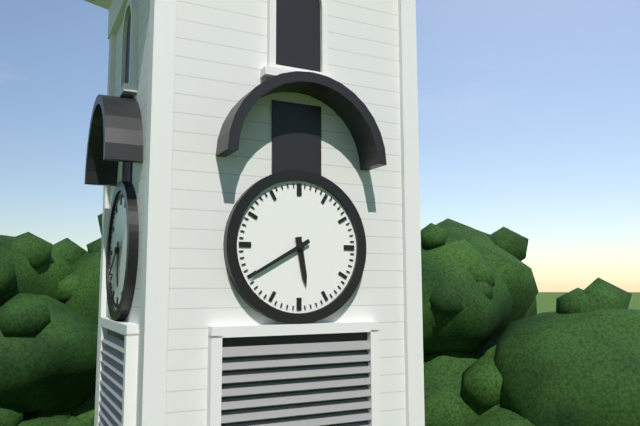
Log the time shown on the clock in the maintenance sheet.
5:40
